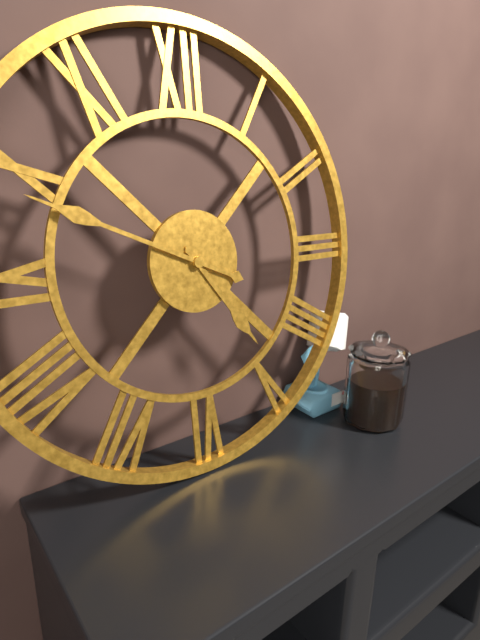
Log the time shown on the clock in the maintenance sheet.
4:49
